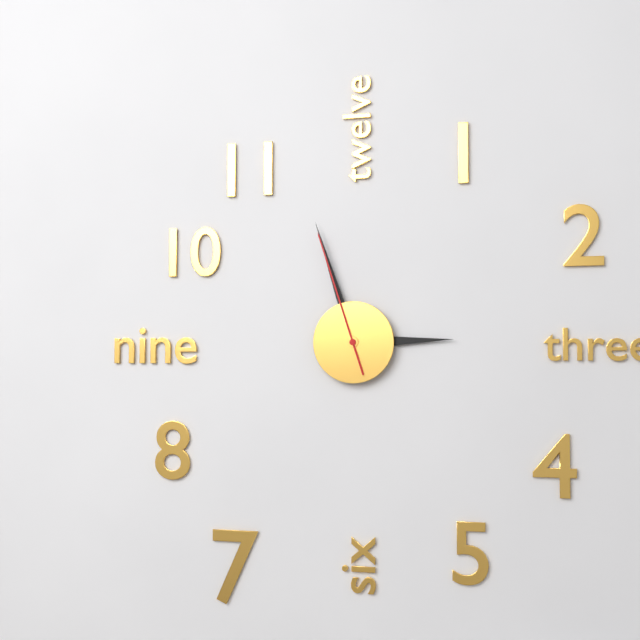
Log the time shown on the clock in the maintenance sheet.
2:57:57
